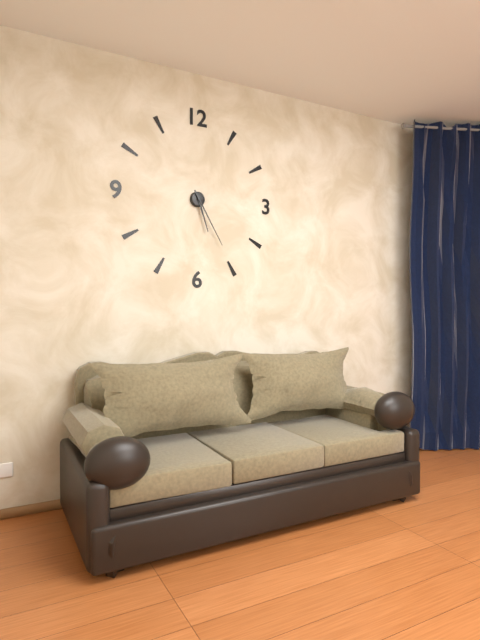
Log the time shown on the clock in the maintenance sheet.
5:25
